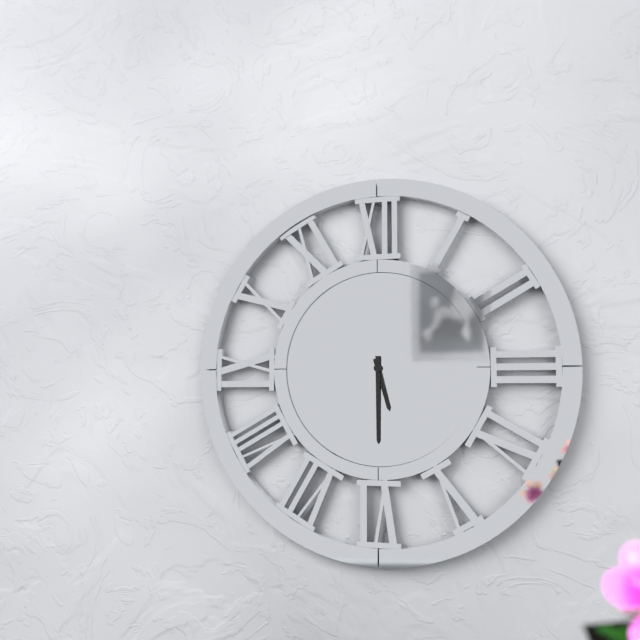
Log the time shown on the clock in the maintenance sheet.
5:30
